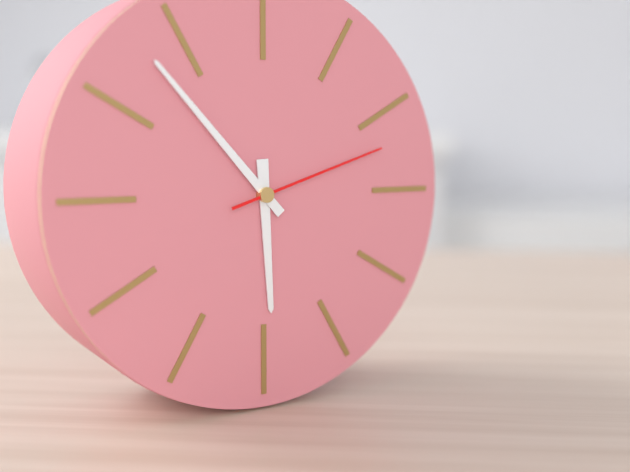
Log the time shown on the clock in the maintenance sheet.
5:53:12
